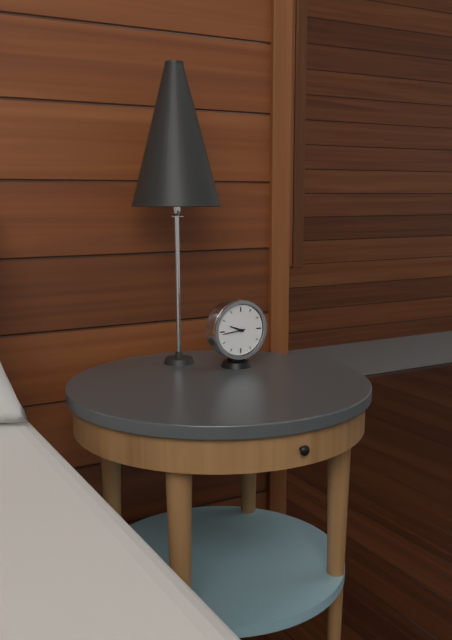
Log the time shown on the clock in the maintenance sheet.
9:44
